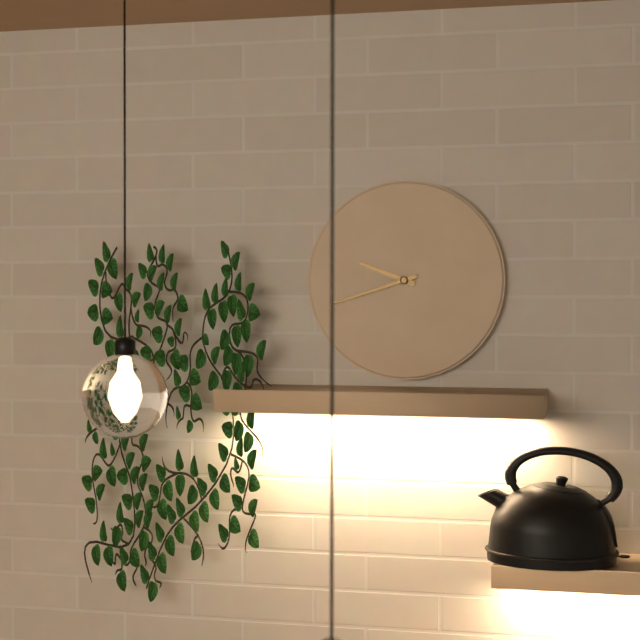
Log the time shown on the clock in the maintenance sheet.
9:42
